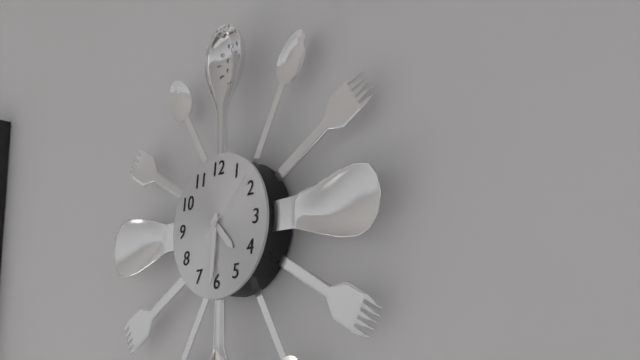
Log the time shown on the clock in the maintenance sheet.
4:31:08
